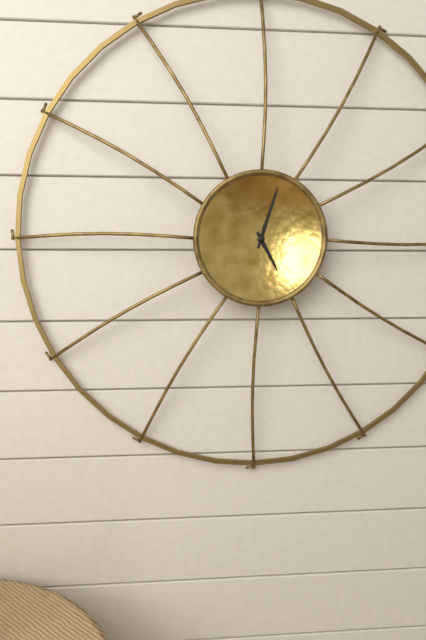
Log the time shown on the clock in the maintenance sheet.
5:03
